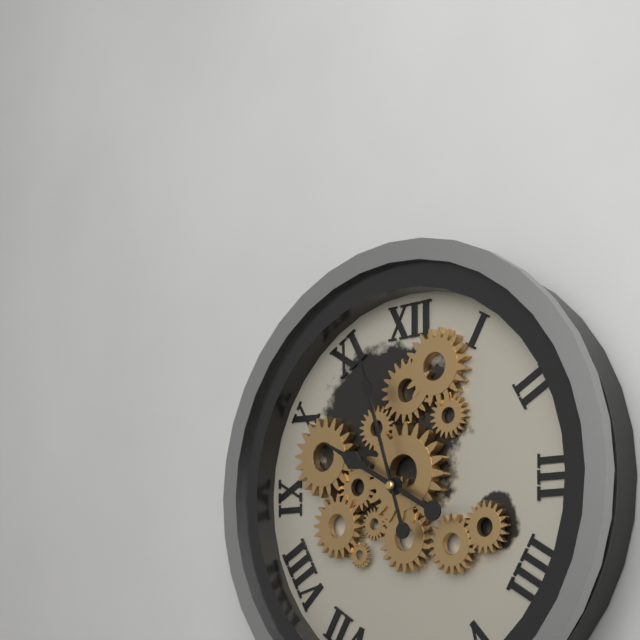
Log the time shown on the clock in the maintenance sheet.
9:57
